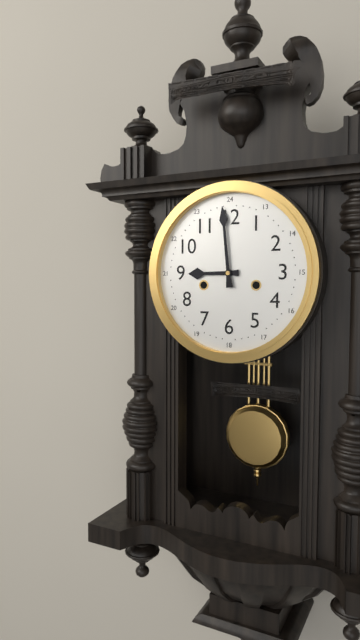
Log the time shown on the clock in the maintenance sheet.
8:59
